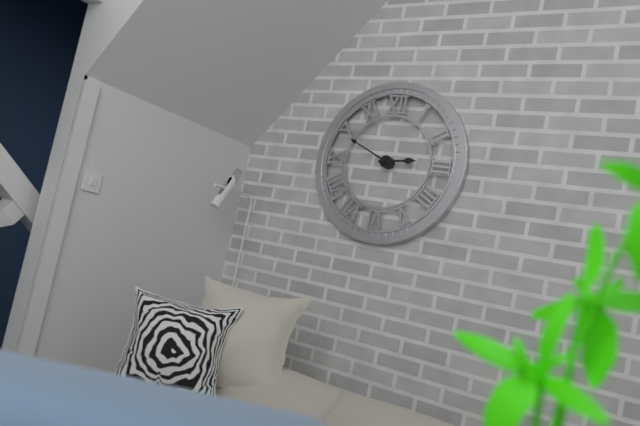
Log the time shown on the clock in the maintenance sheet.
2:49
